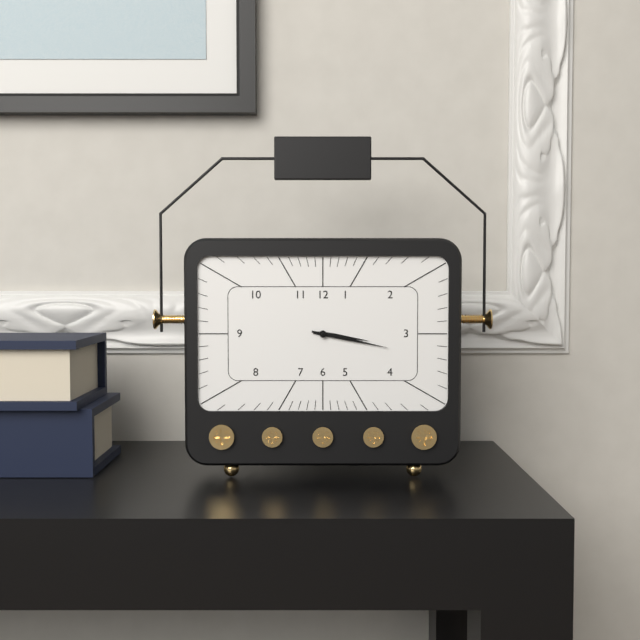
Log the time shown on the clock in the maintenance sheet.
3:17
